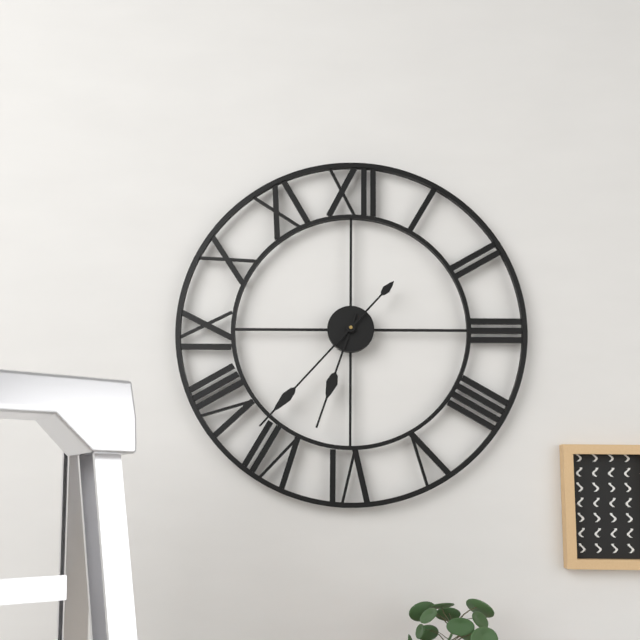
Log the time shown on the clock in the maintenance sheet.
6:37
